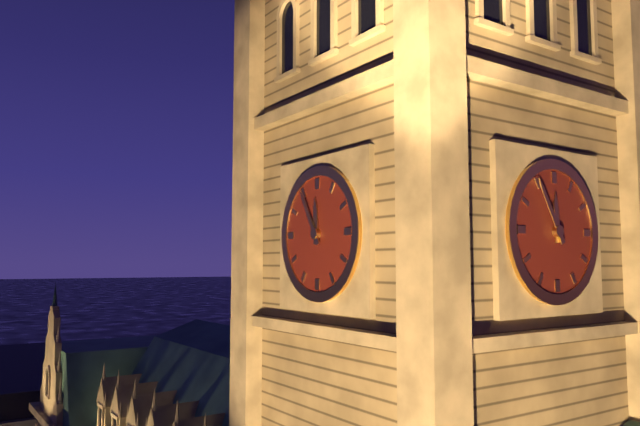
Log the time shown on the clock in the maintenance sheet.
11:55
